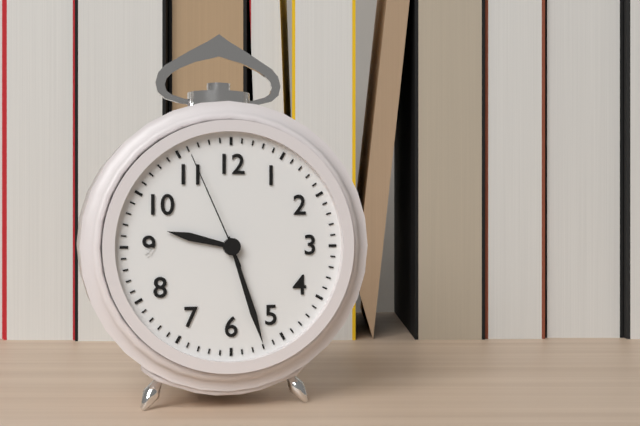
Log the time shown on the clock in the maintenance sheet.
9:27:56
